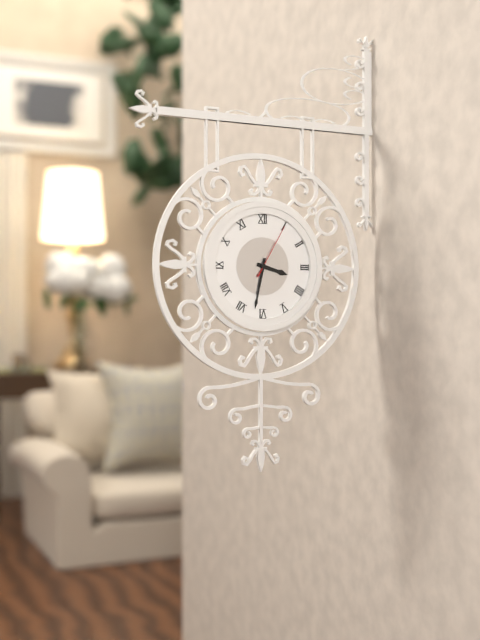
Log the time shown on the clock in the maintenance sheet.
3:32:05
